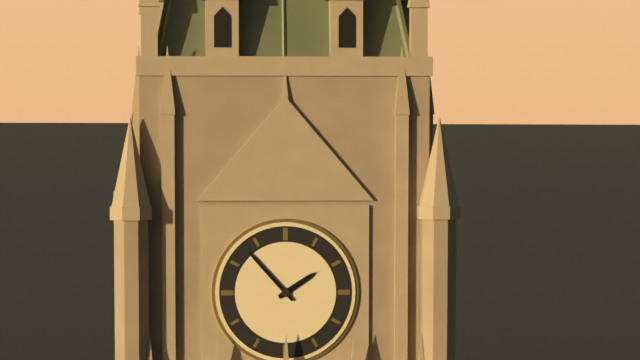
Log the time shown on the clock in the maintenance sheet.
1:53
